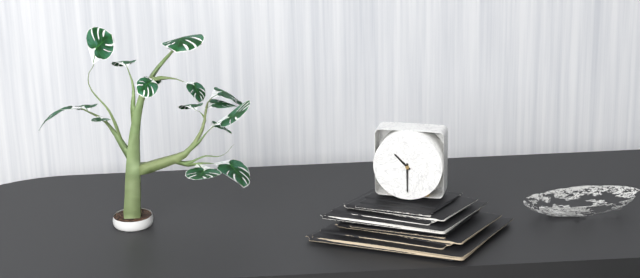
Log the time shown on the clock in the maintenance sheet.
10:30
